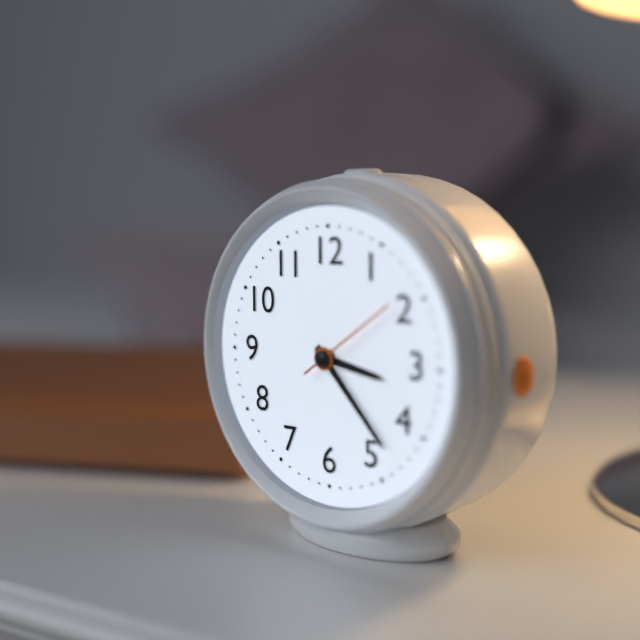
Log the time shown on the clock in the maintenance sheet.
3:23:09
